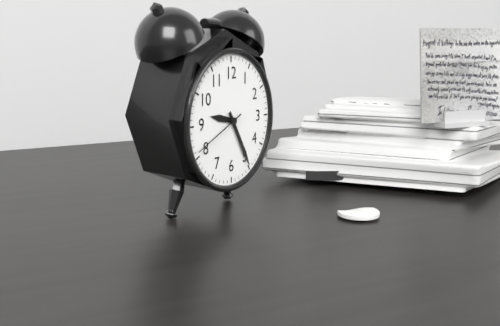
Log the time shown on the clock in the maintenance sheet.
9:25:41
